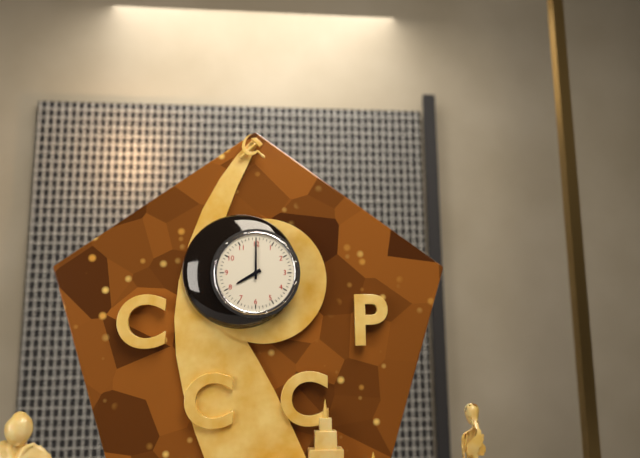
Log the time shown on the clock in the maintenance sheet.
8:00
